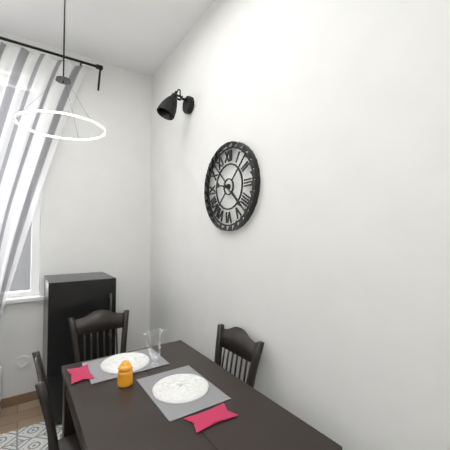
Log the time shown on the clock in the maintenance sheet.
9:22
